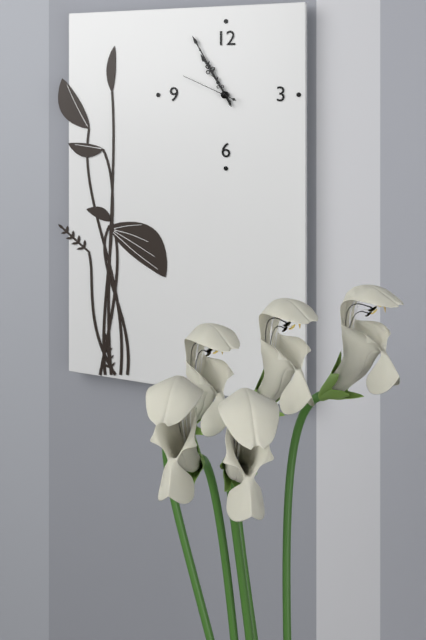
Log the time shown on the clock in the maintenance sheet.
10:55:49
